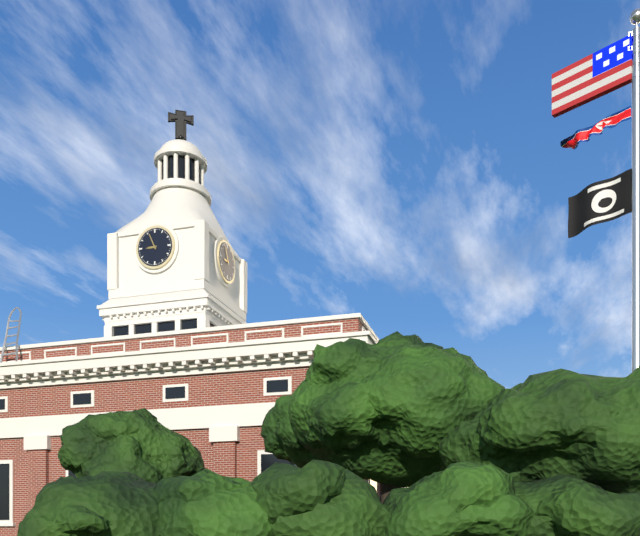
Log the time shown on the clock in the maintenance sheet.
8:56
